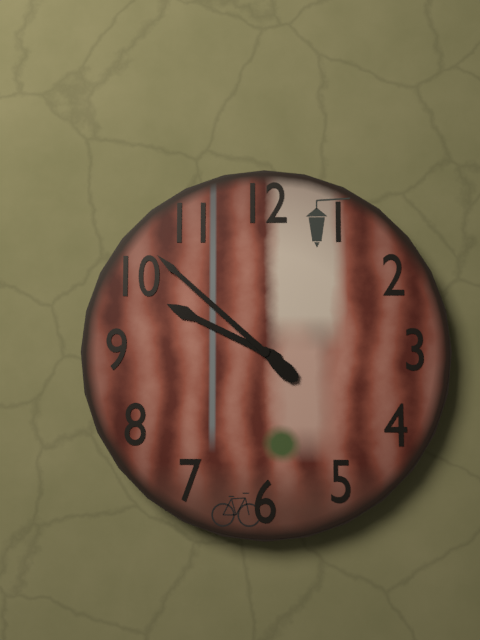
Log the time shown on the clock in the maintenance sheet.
9:52
